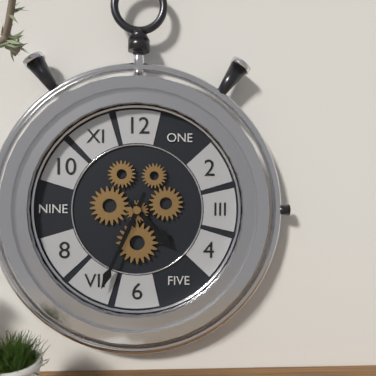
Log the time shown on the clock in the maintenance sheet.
4:34
